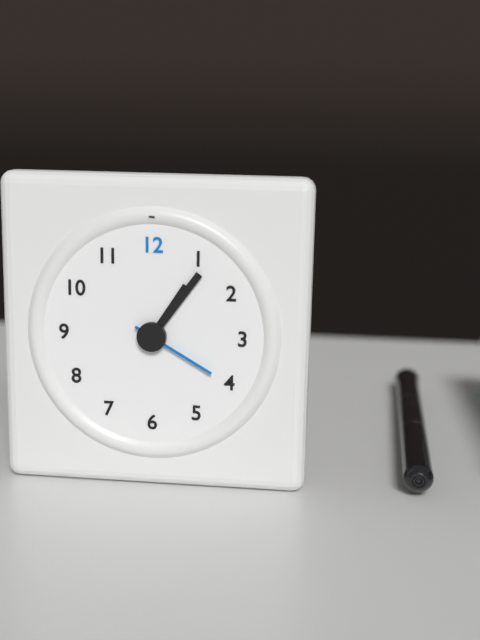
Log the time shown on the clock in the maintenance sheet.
1:06:20
